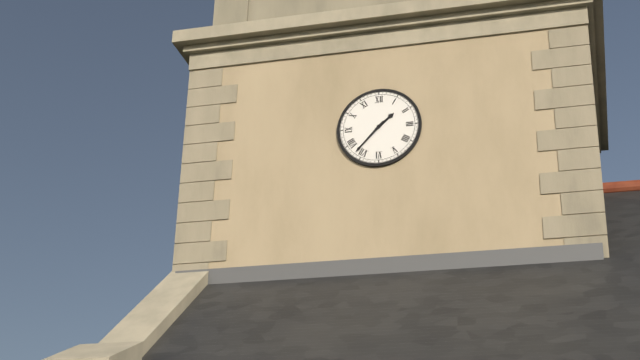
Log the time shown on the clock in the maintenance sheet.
1:37
